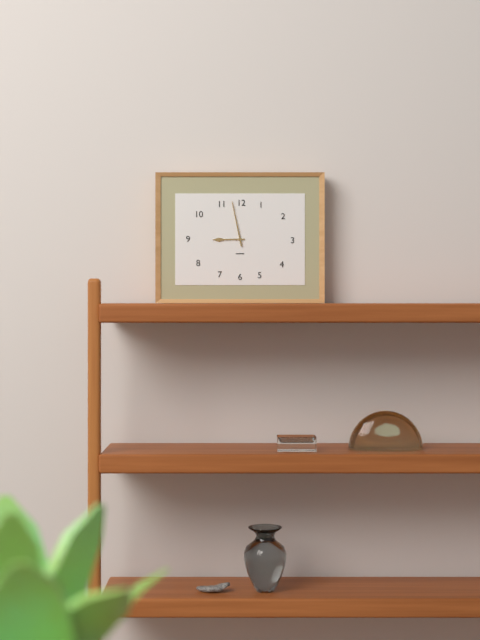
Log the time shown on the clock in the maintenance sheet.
8:58
